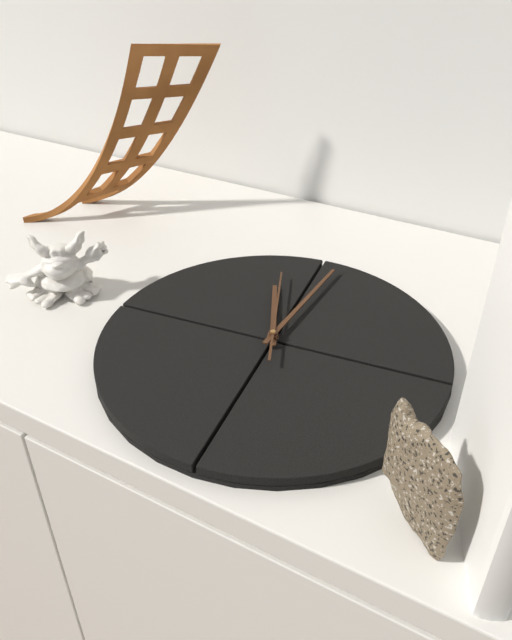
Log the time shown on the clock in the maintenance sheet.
12:05:01
